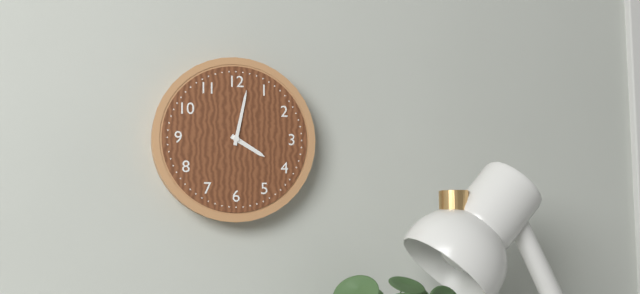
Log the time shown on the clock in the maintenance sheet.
4:02
